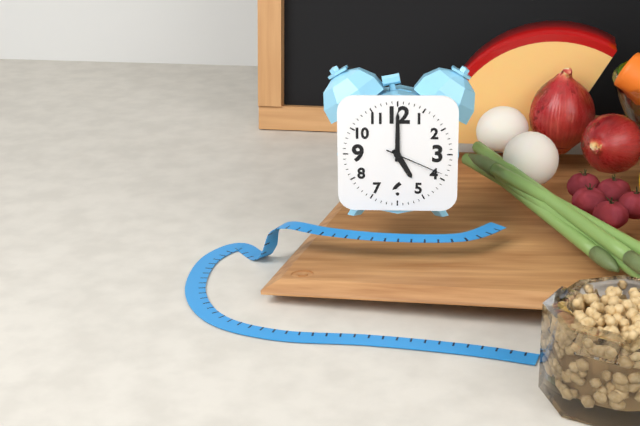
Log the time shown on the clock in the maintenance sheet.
5:00:19
